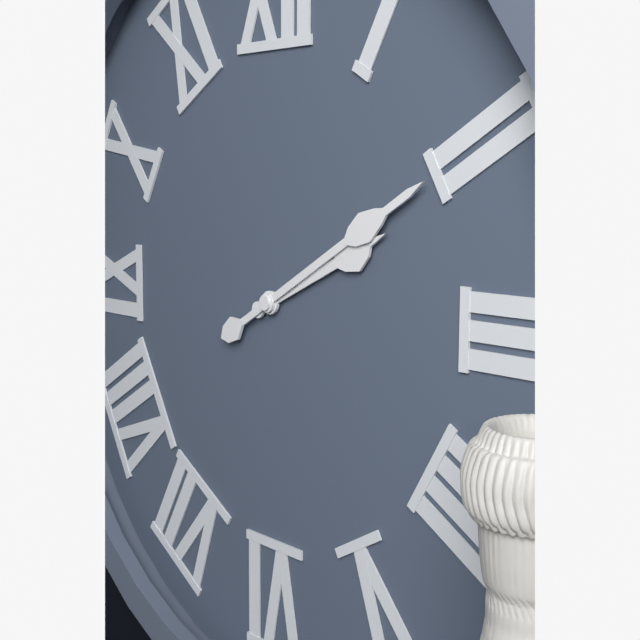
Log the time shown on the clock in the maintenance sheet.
2:10
